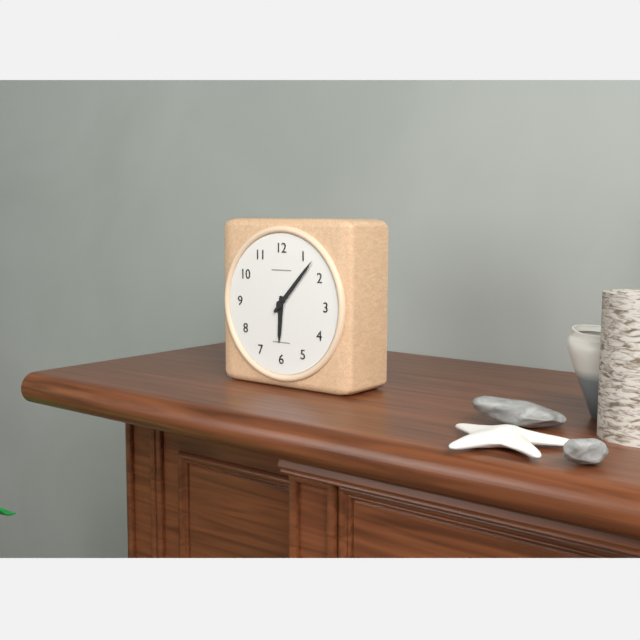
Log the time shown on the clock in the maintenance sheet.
6:07
